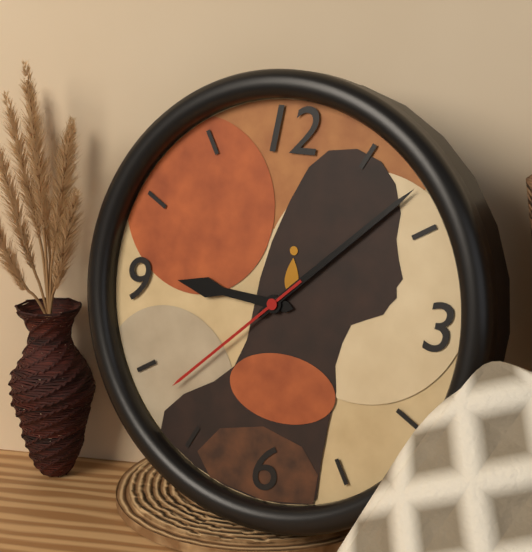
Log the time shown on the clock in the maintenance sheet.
9:08:38
